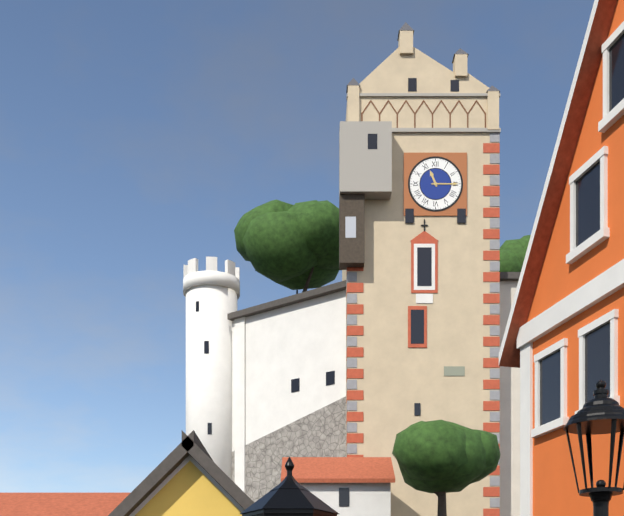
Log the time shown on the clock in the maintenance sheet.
11:15
